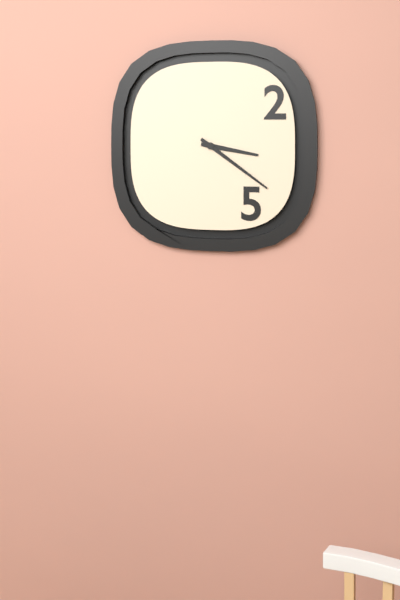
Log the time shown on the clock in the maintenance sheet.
3:21
